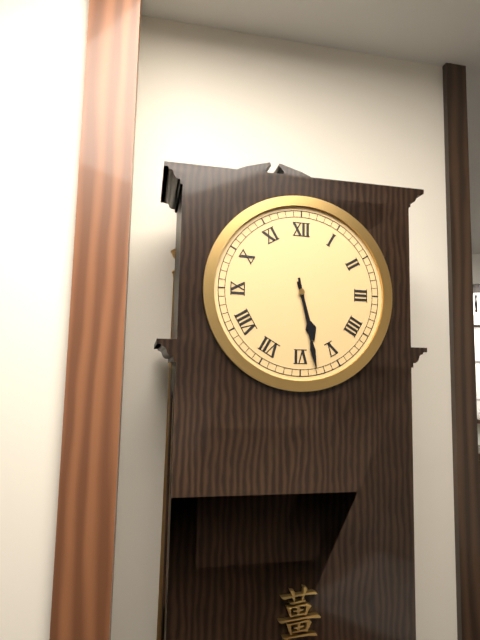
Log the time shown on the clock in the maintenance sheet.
5:28
